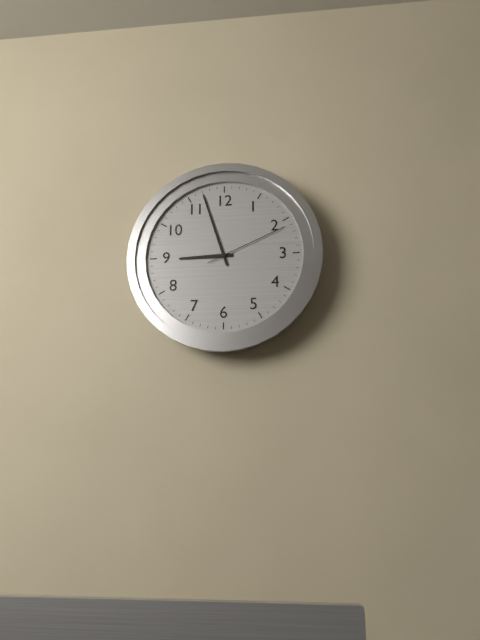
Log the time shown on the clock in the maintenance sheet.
8:57:11
